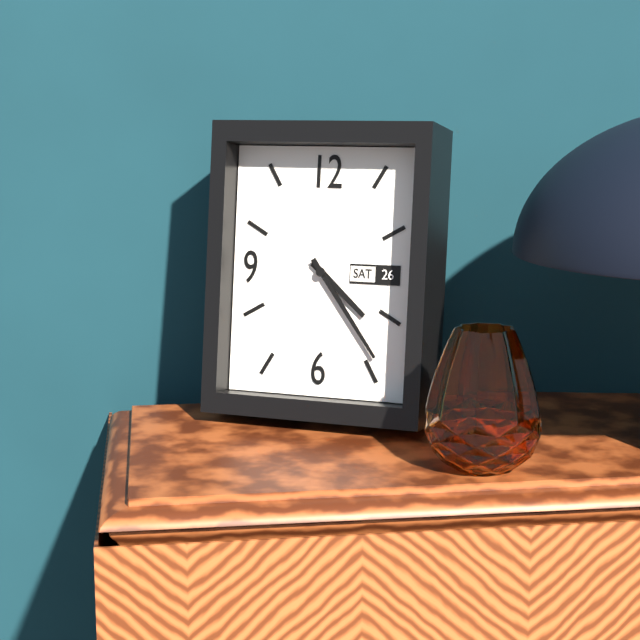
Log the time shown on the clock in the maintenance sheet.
4:24
